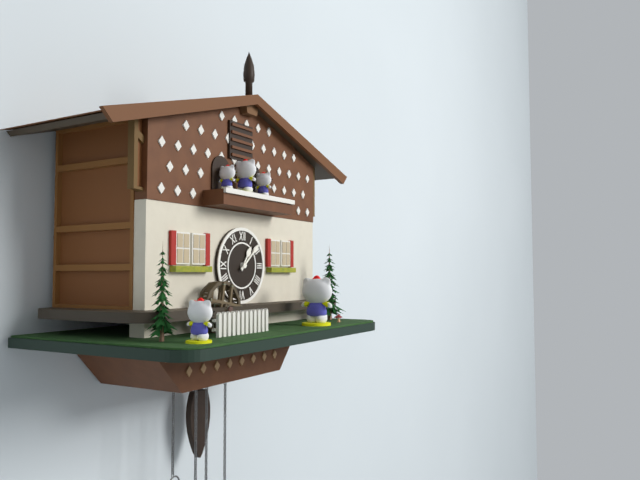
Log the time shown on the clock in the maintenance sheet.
1:08
